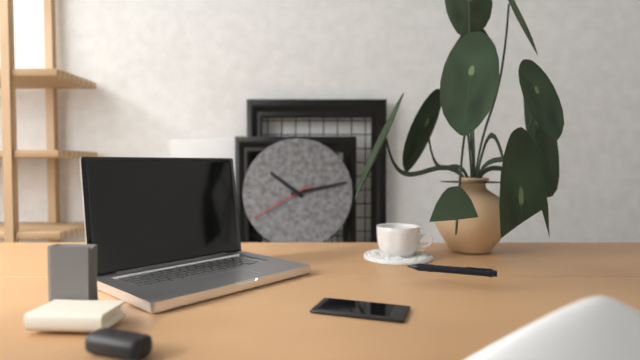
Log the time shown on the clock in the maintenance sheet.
10:13:40
